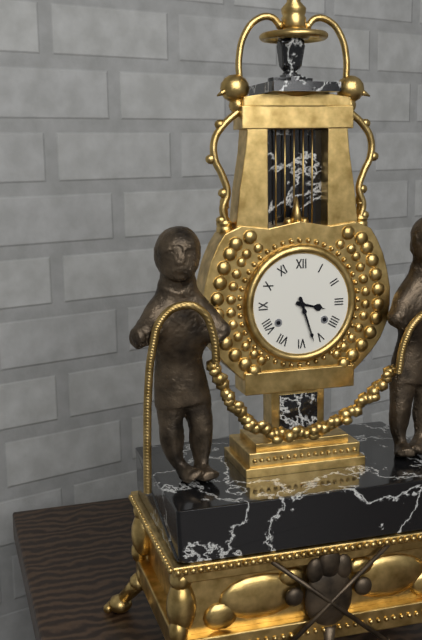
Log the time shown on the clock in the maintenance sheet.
3:27
